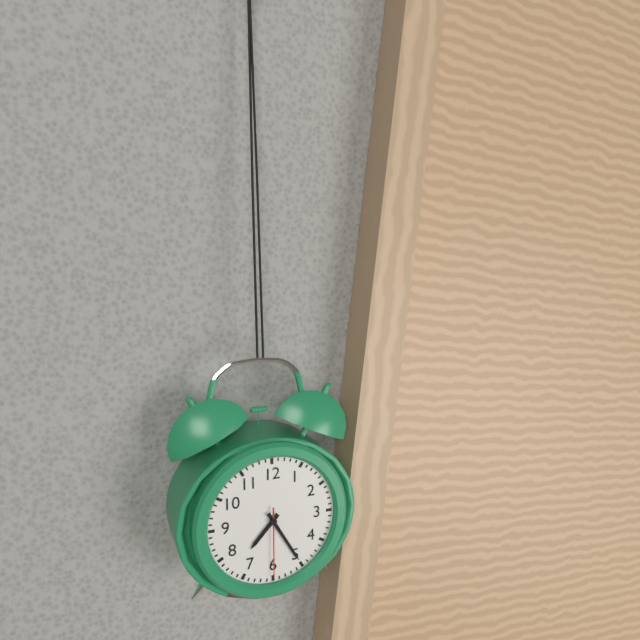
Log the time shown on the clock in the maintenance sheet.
7:25:30
